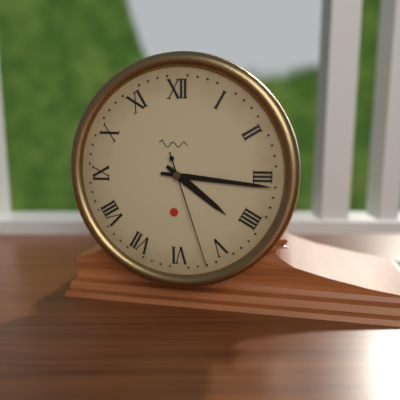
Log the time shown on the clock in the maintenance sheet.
4:16:27
